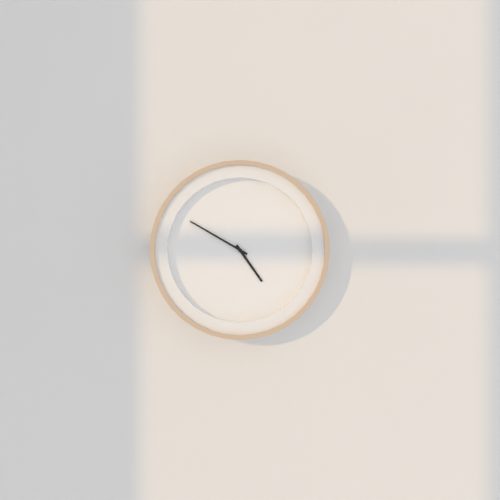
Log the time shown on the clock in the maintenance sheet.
4:50
